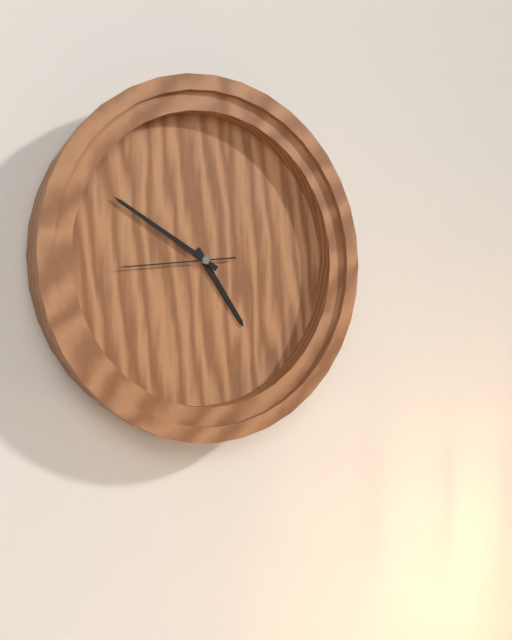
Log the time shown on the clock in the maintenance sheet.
4:50:44
